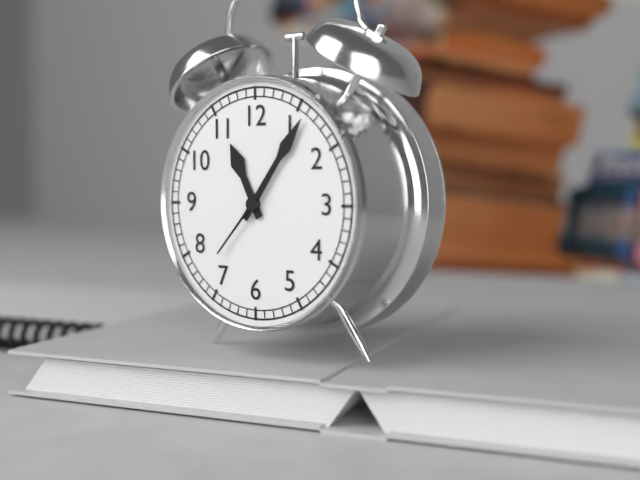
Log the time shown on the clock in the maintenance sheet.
11:06:37
